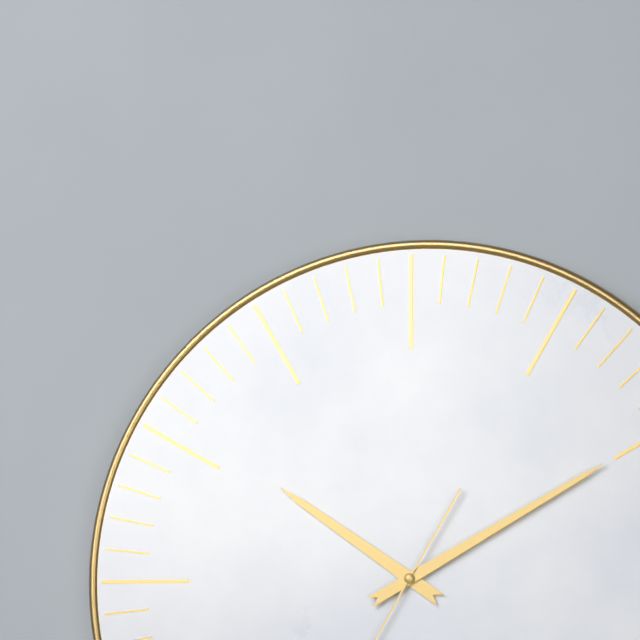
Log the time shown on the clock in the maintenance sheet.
10:10
